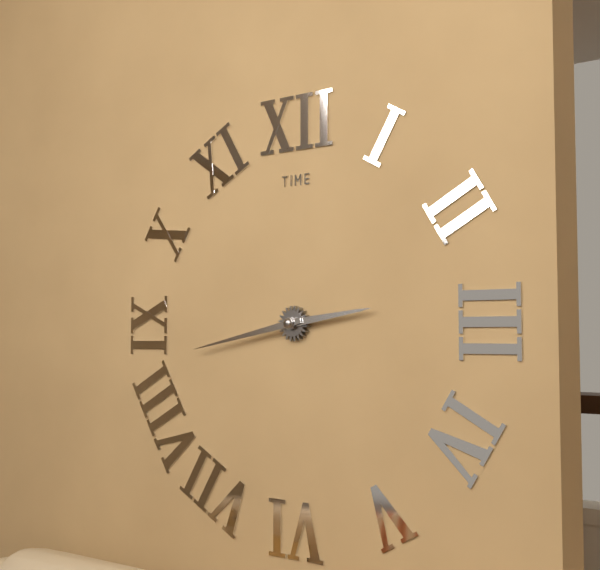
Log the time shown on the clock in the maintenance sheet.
2:43
